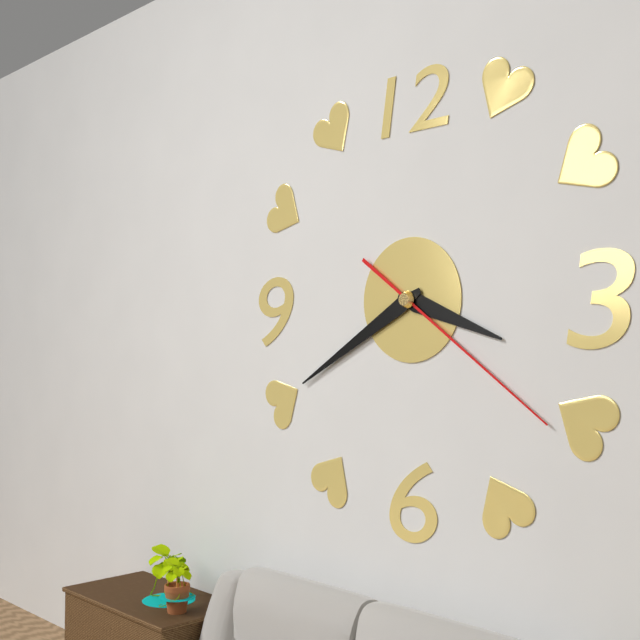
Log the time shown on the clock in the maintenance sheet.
3:40:21
